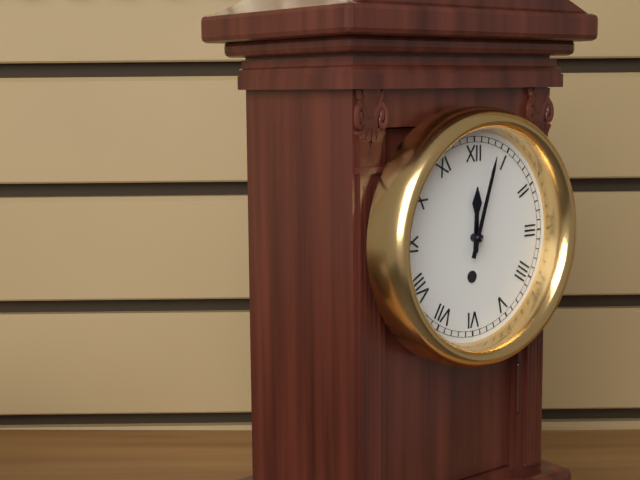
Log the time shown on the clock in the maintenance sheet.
12:03
